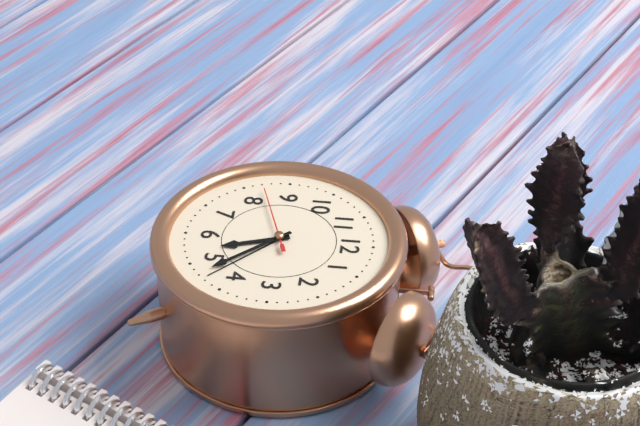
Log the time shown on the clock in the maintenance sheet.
5:23:42
